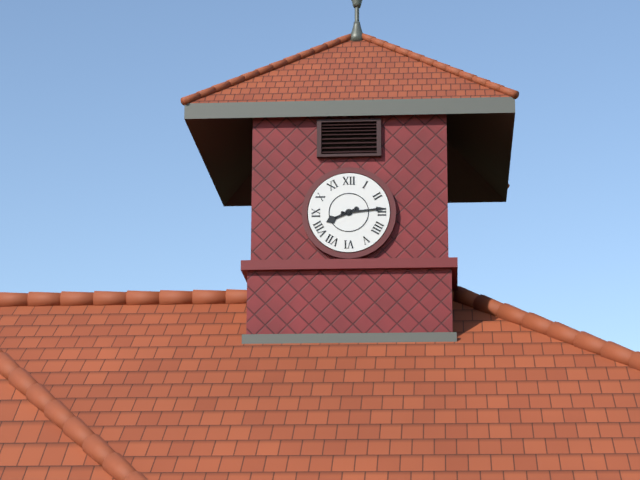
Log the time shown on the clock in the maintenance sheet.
8:14
